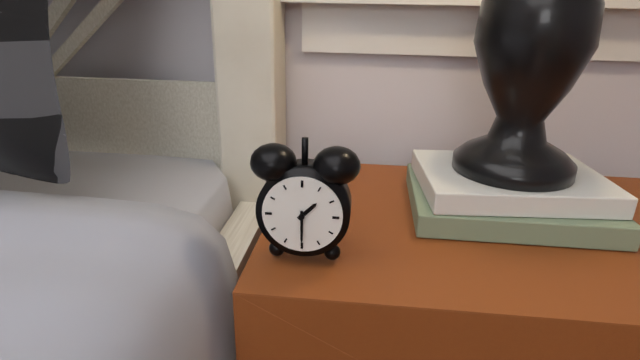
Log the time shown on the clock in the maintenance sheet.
1:30
